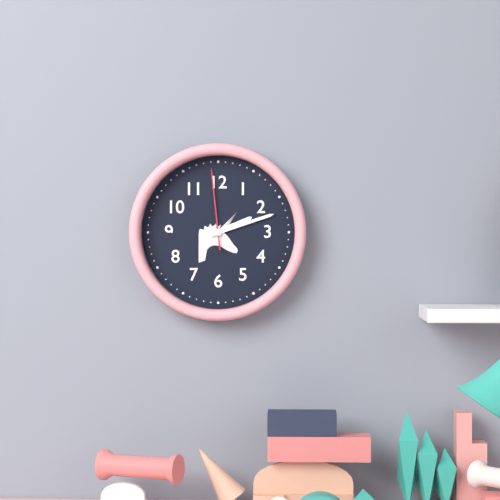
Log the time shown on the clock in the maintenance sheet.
2:12:59
